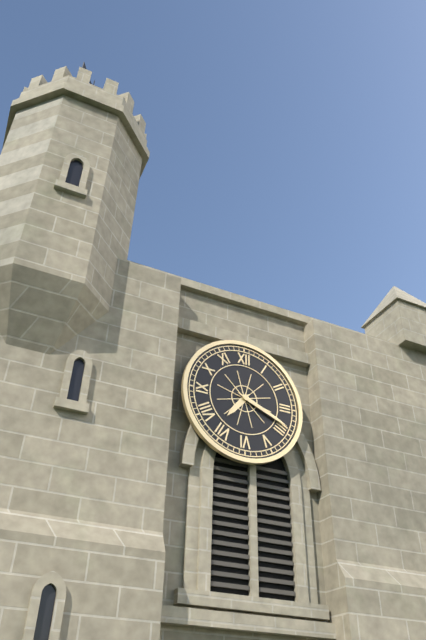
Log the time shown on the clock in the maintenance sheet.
7:19
